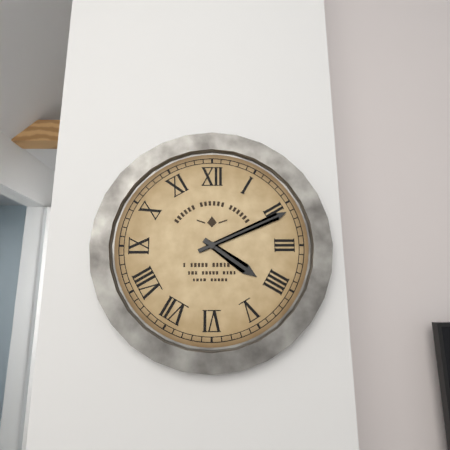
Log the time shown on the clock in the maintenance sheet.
4:11
